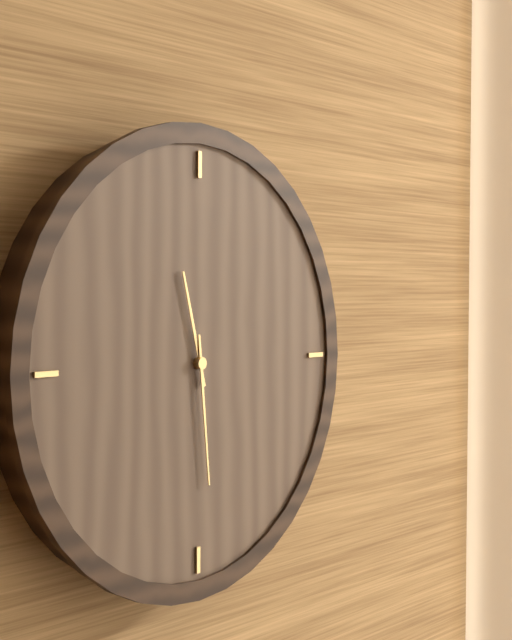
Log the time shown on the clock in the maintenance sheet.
11:29
